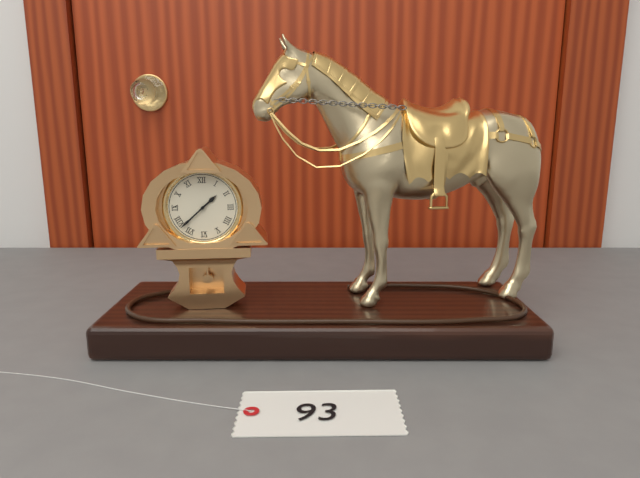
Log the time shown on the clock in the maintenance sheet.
1:38
